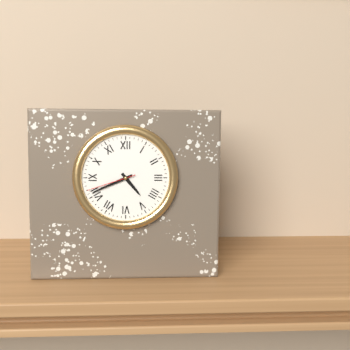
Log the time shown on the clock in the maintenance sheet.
4:41:42
